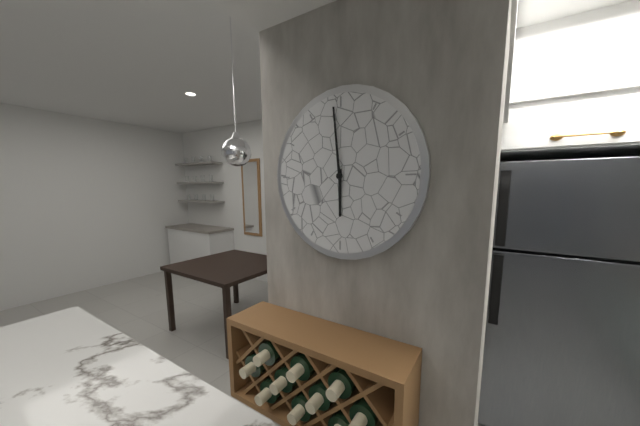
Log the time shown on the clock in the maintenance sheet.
5:59
